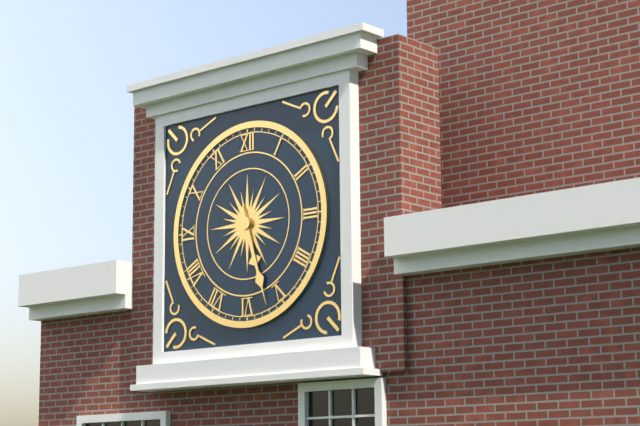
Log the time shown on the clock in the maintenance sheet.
5:27
